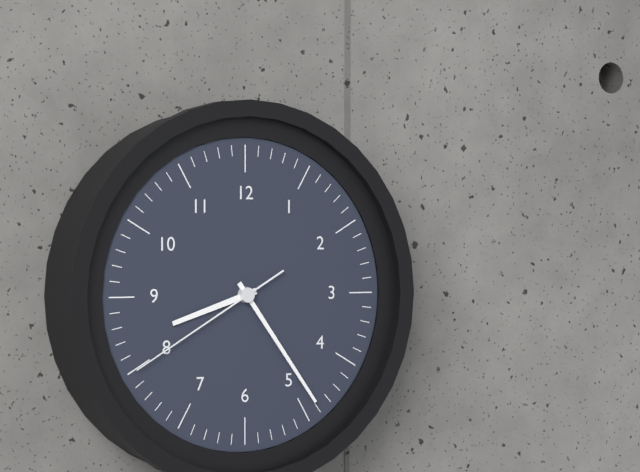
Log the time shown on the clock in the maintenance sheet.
8:24:40
